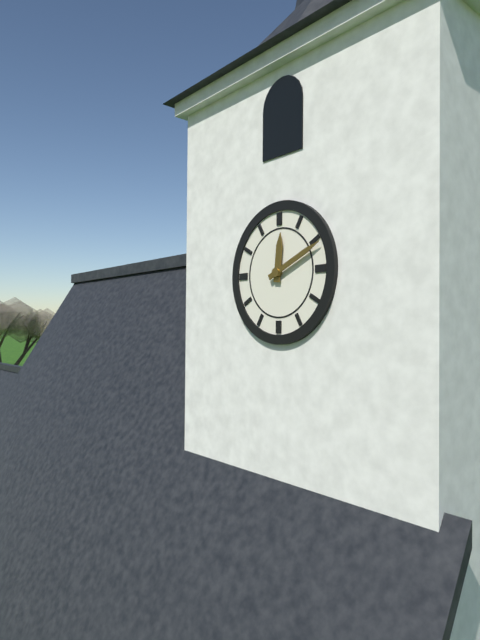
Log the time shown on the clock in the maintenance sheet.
12:11
